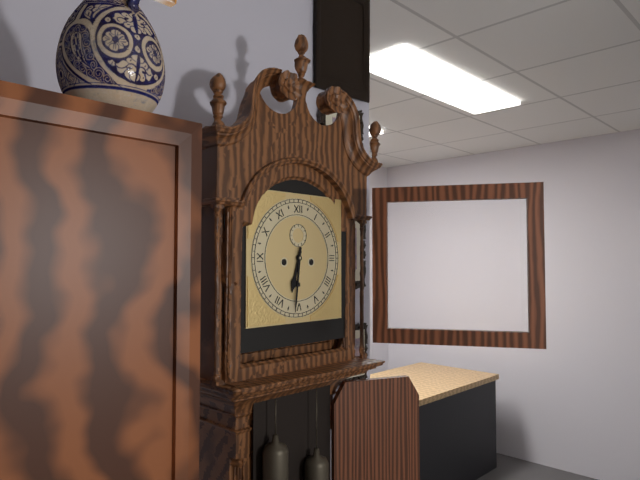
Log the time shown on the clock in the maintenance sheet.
6:31
